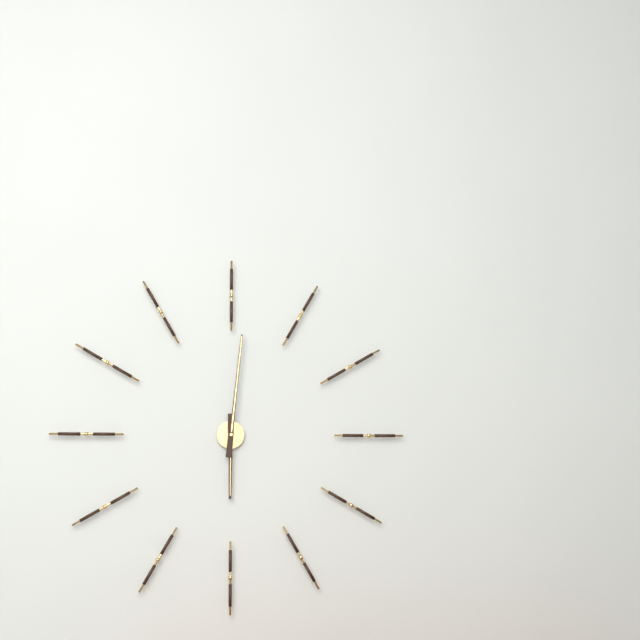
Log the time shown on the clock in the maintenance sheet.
6:01
